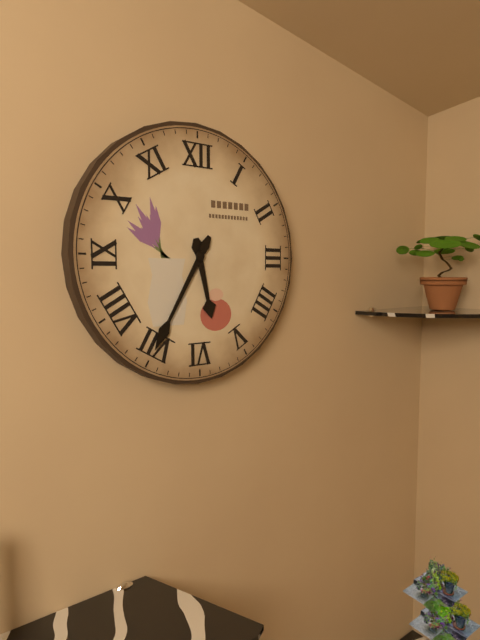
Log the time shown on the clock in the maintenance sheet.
5:35
